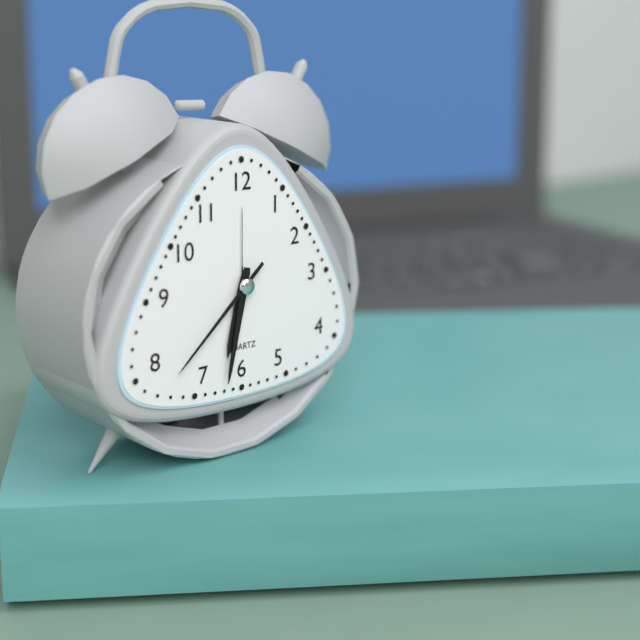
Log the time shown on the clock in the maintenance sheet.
6:32:38
